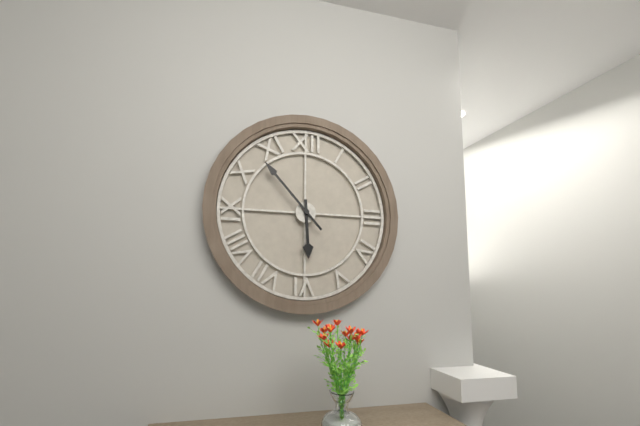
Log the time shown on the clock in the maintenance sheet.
5:53
